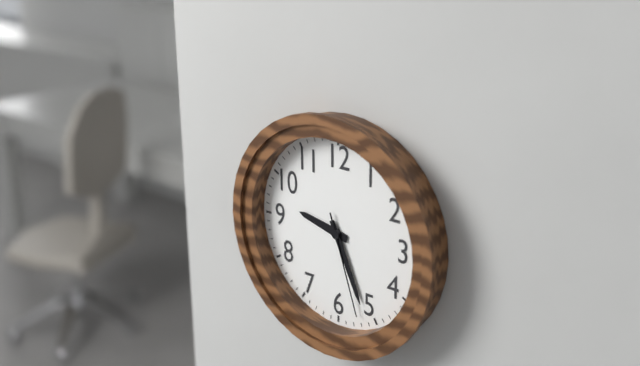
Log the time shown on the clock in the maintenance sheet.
9:26:27
